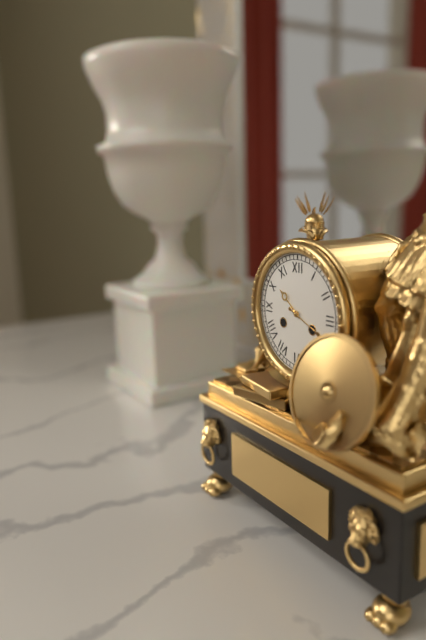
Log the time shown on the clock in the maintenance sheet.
10:19
